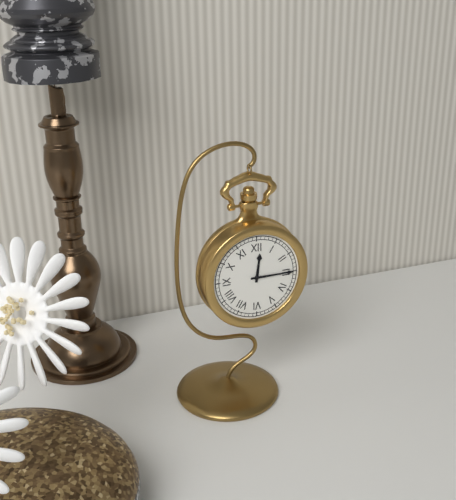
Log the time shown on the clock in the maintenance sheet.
12:15
